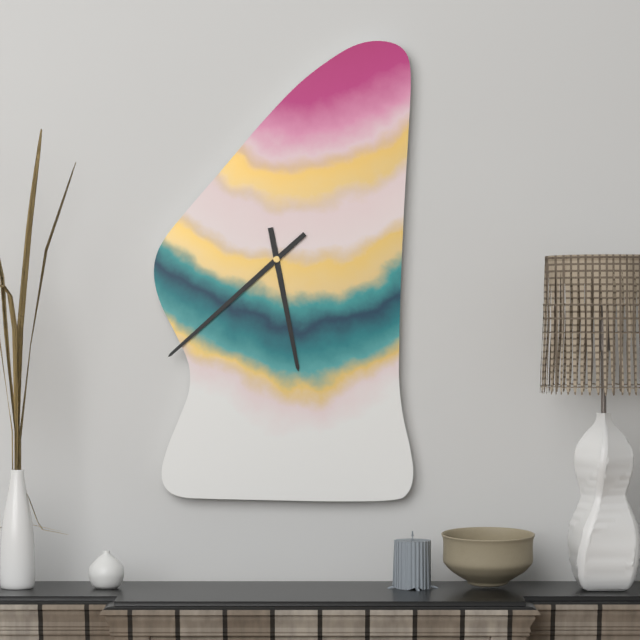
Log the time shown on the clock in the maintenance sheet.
5:38
